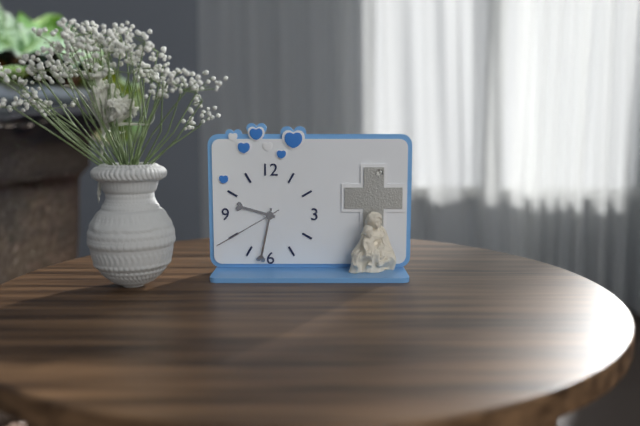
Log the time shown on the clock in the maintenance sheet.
9:32:40
